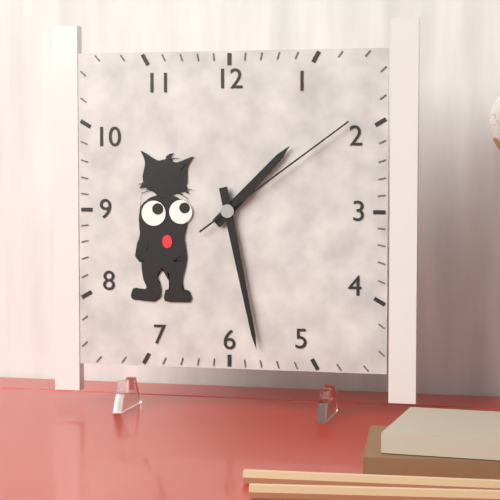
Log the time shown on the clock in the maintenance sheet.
1:28:09
